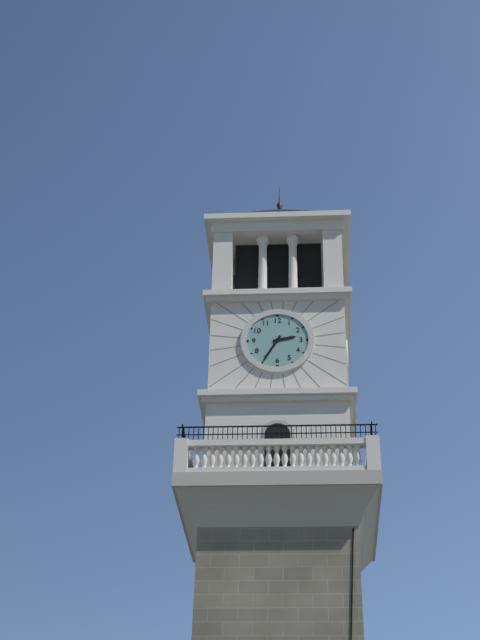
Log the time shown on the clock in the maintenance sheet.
2:35
